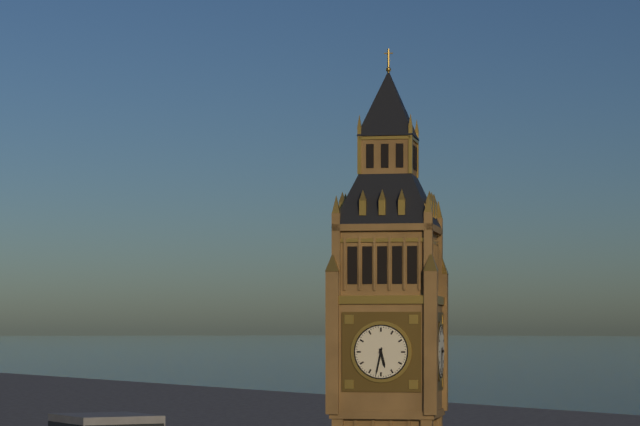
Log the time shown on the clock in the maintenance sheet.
5:32
